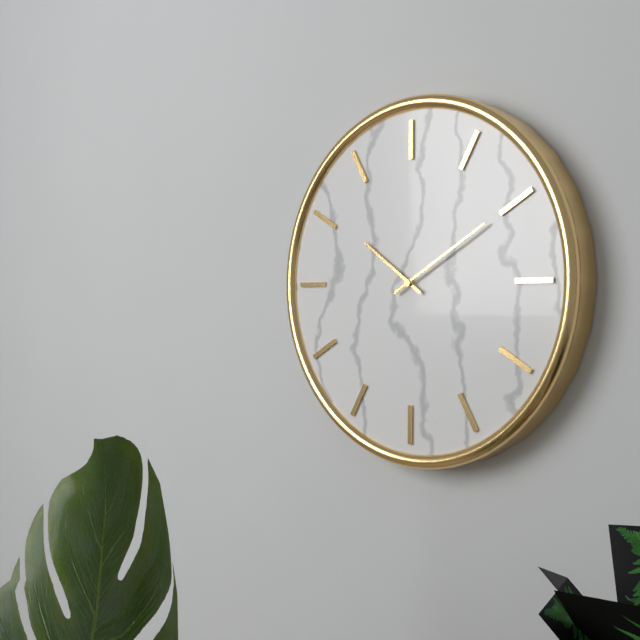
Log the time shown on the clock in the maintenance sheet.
10:10
